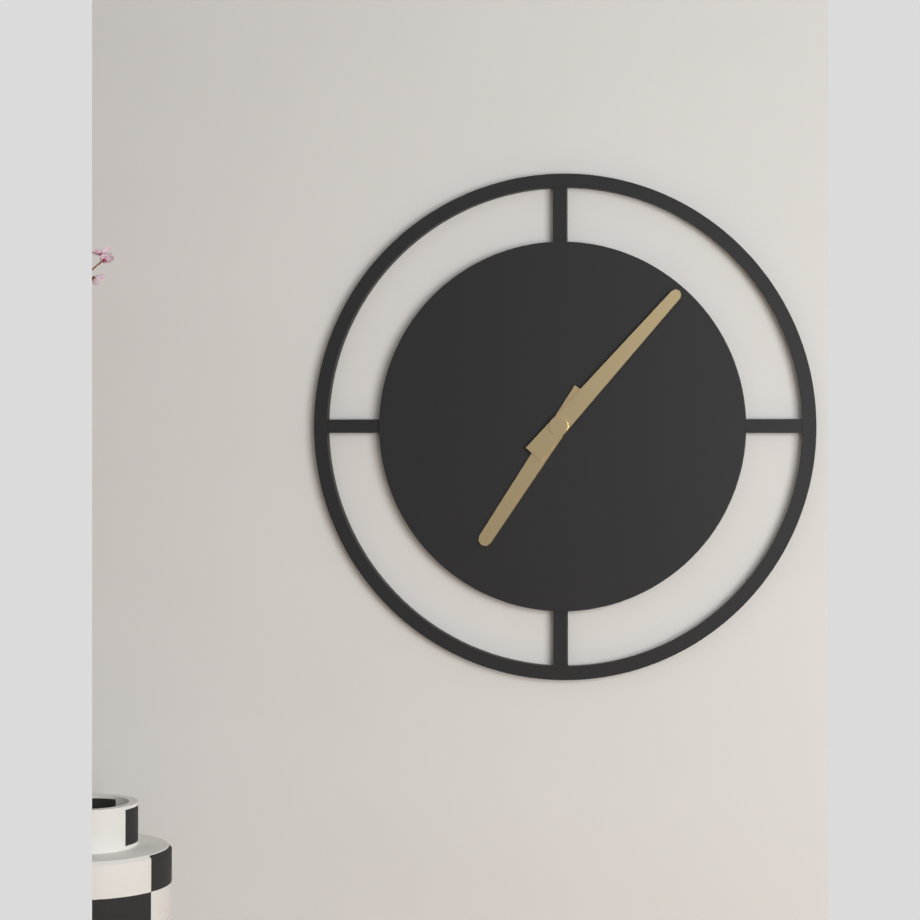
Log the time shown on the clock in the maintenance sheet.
7:07
